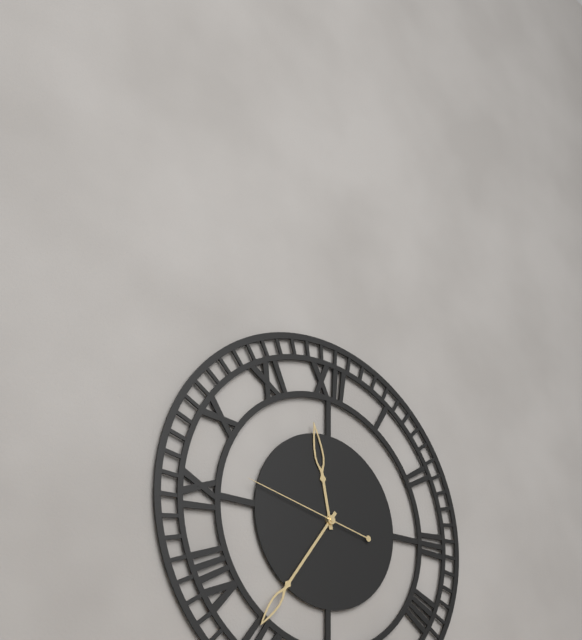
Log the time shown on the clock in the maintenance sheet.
11:36:47
